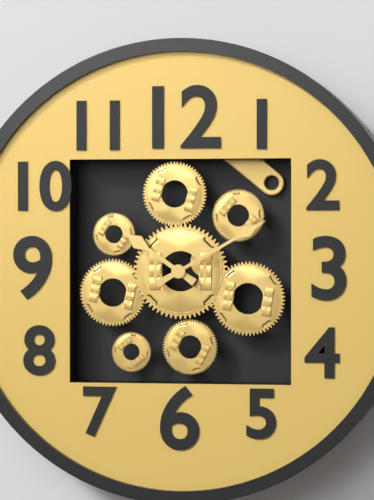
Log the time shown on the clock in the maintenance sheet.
10:10
